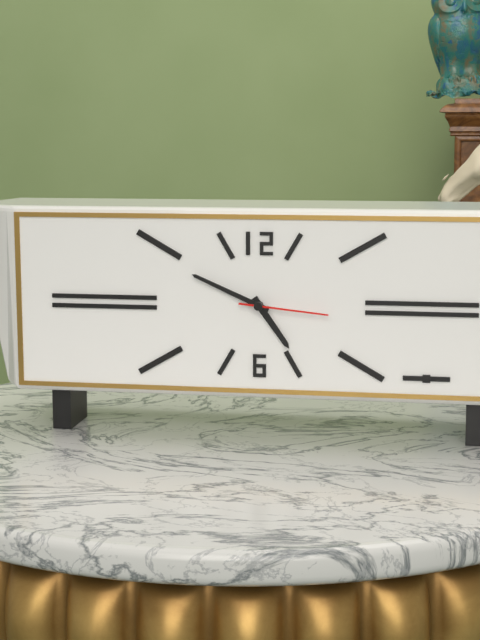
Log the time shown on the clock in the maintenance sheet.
4:49:16
